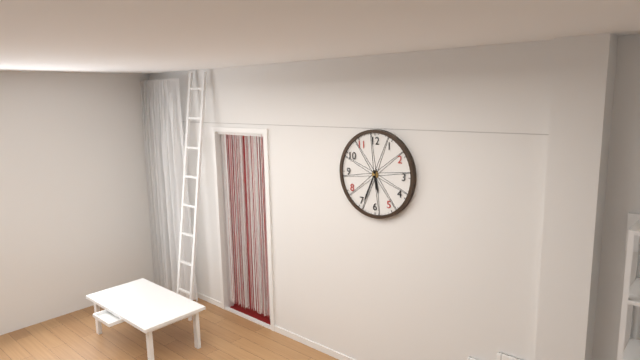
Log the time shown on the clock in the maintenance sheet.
5:34
